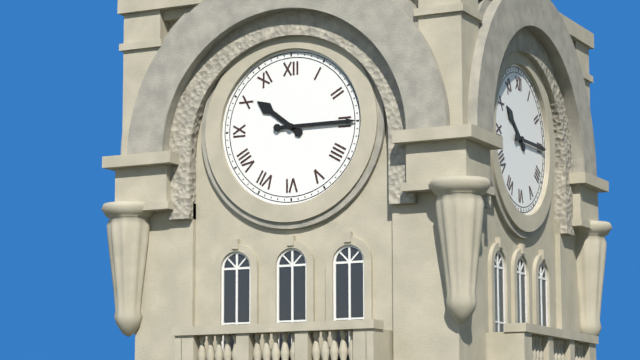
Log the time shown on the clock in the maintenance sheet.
10:15
